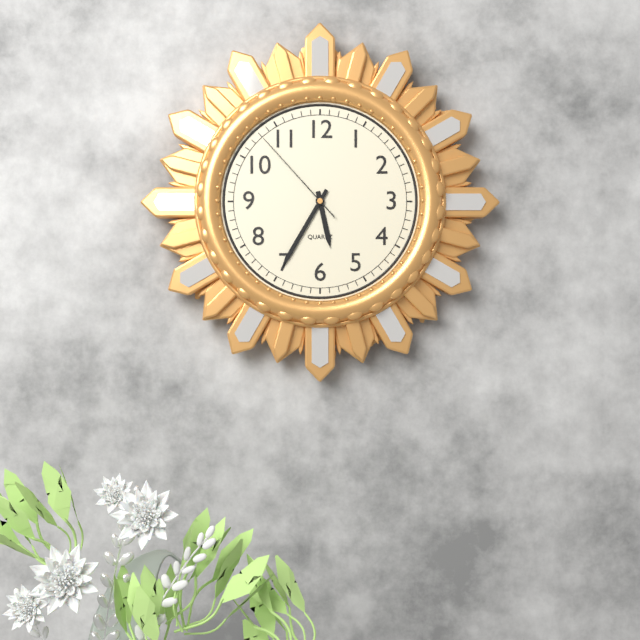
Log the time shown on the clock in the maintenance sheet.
5:35:53
